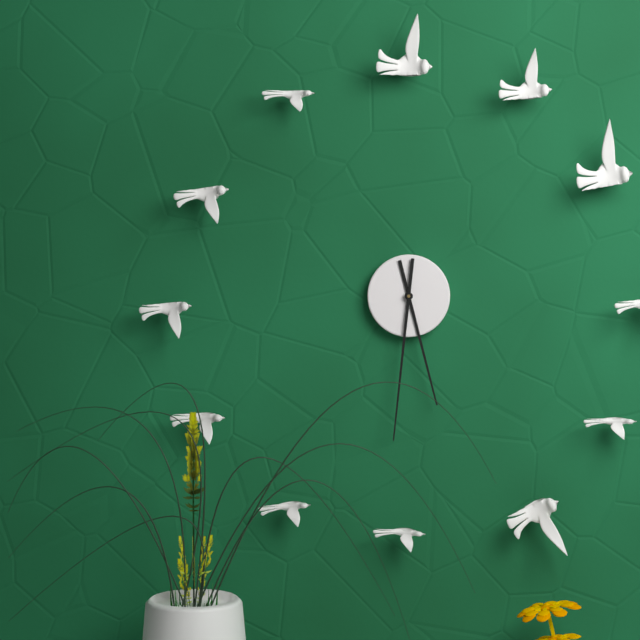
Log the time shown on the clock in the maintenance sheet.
5:31
